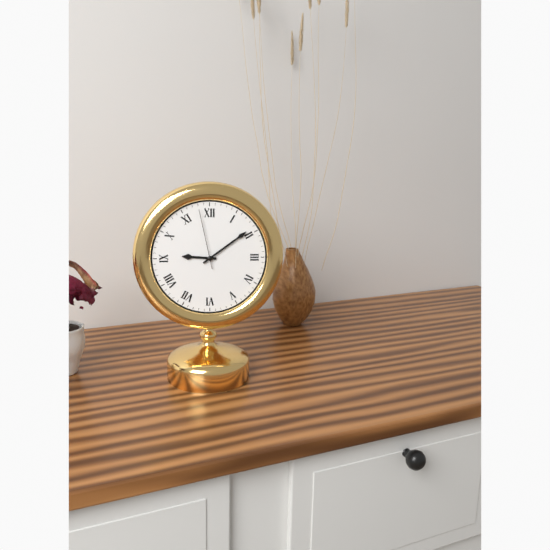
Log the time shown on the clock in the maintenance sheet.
9:09:58
